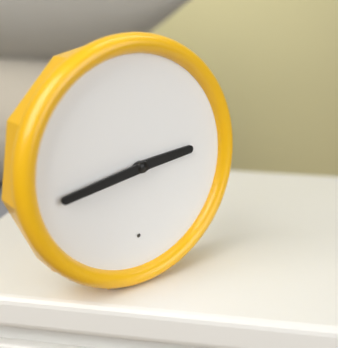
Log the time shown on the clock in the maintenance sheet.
2:43
